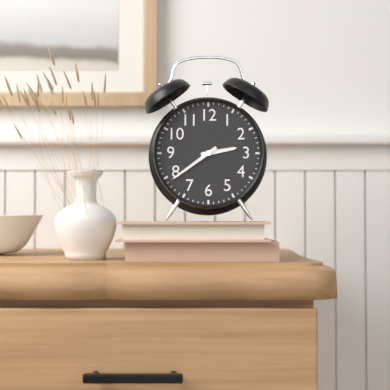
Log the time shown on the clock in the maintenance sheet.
2:39
